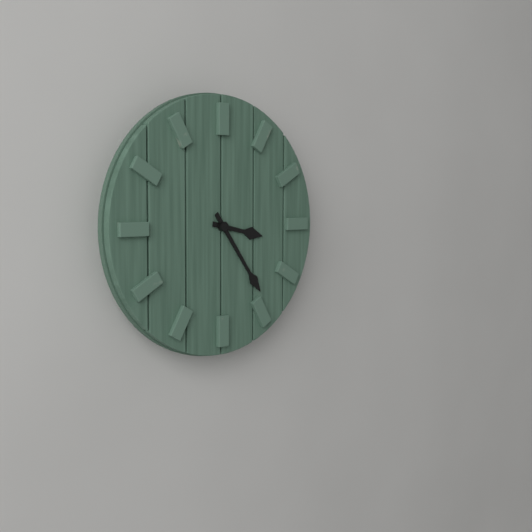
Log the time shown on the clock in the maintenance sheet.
3:24
